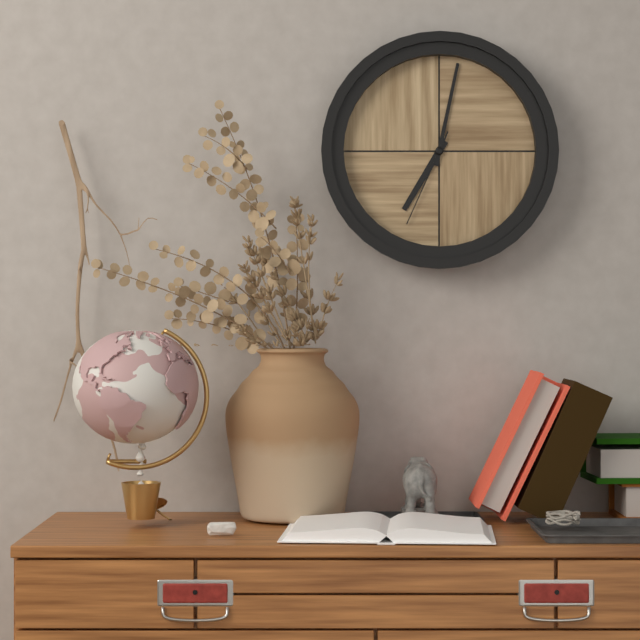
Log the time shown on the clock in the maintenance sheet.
7:02:34
